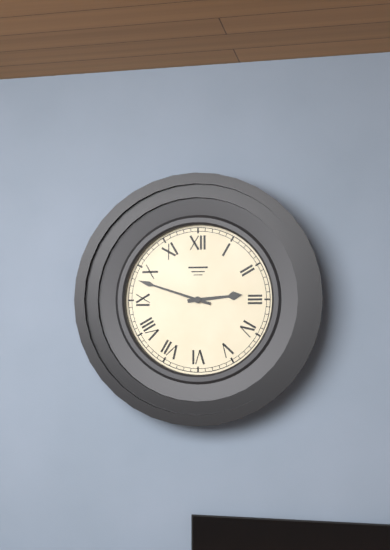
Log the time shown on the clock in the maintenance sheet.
2:48
